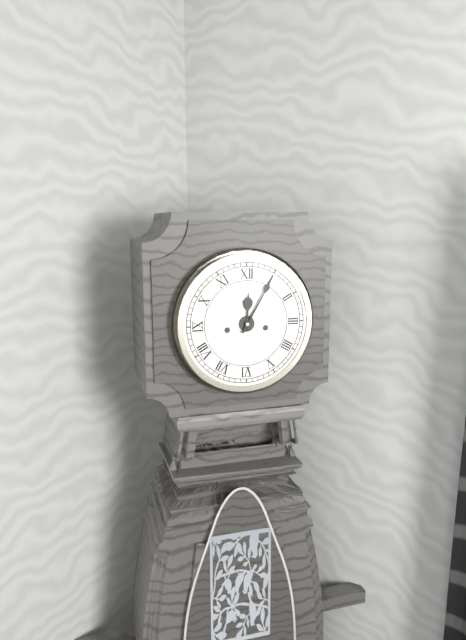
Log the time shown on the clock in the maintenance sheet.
12:05
